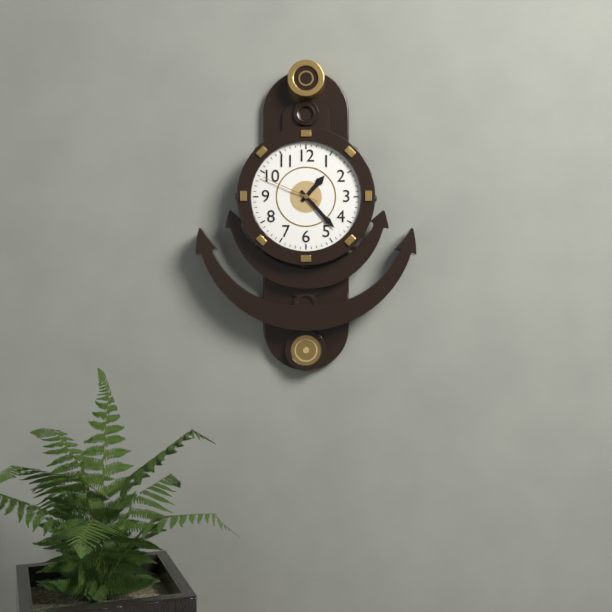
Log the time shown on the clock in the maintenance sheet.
1:23:49
